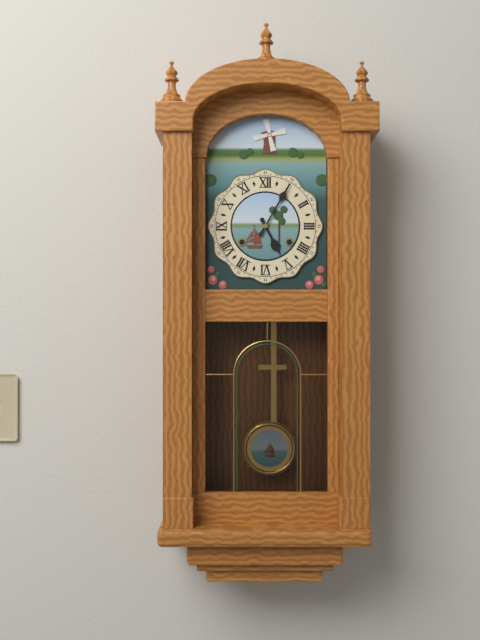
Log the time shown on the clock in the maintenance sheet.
5:05
